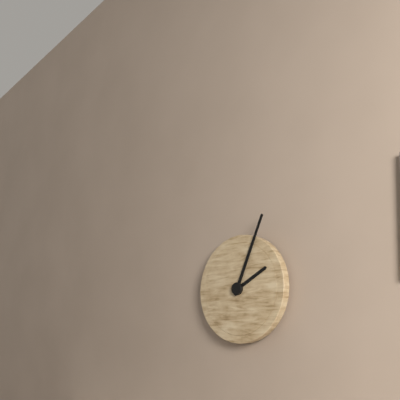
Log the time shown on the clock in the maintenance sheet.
2:04
